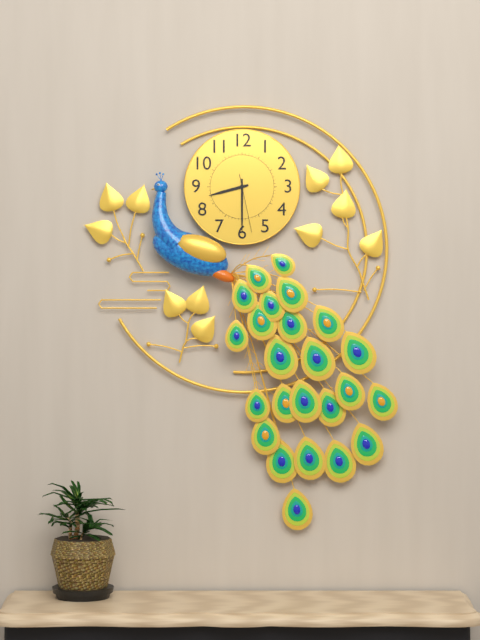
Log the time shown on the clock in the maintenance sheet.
8:30:28
